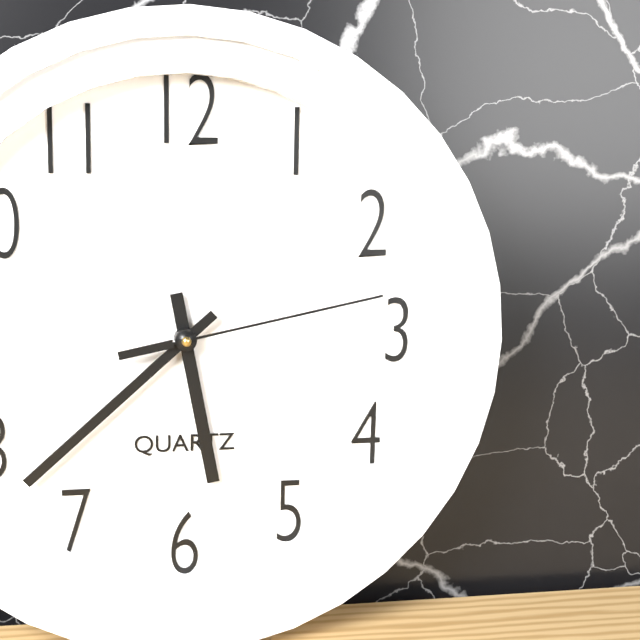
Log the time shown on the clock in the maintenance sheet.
5:38:13
